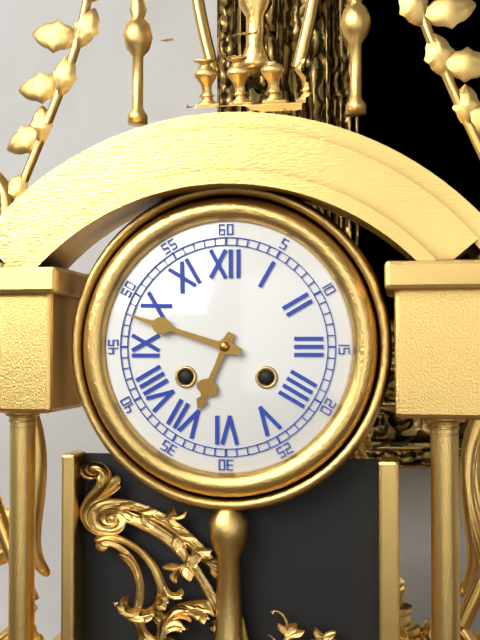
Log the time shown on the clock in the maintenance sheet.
6:48
